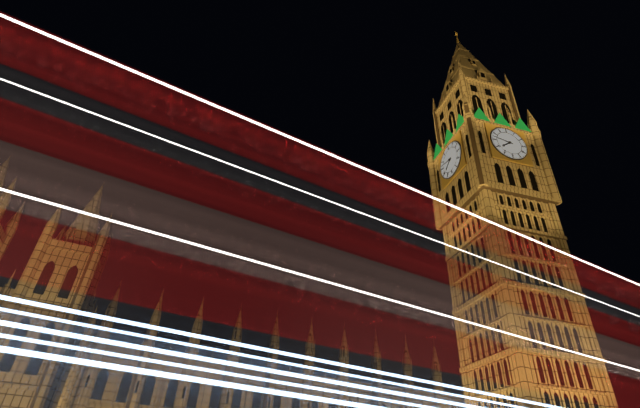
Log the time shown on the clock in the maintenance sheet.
7:47
